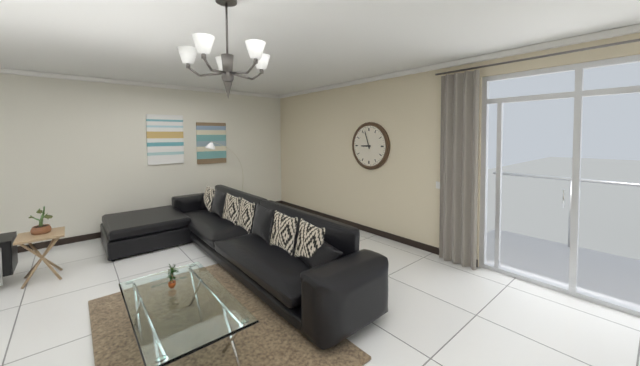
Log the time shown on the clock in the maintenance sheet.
8:57
